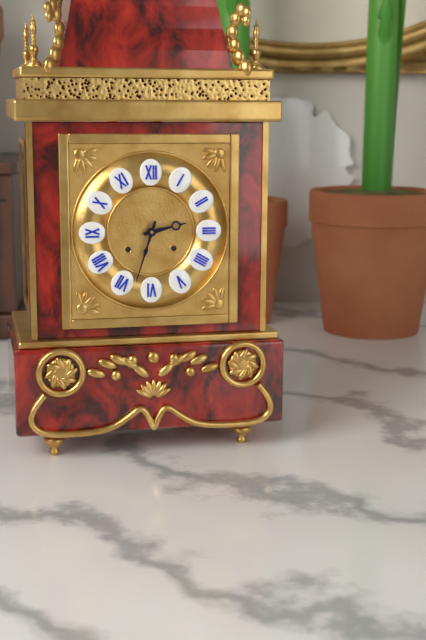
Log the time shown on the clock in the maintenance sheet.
2:33
